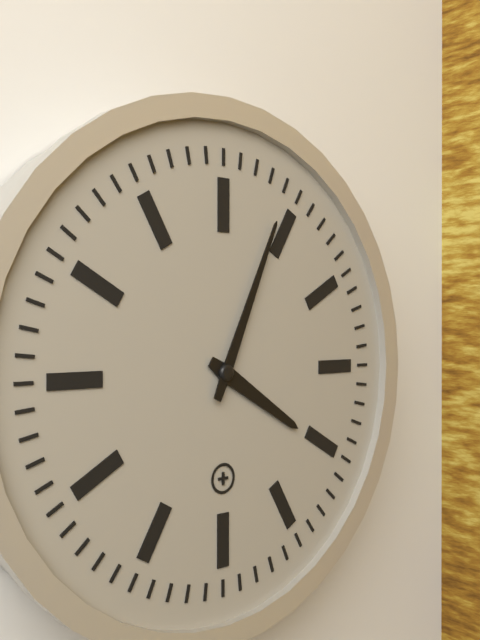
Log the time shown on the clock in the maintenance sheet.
4:04
